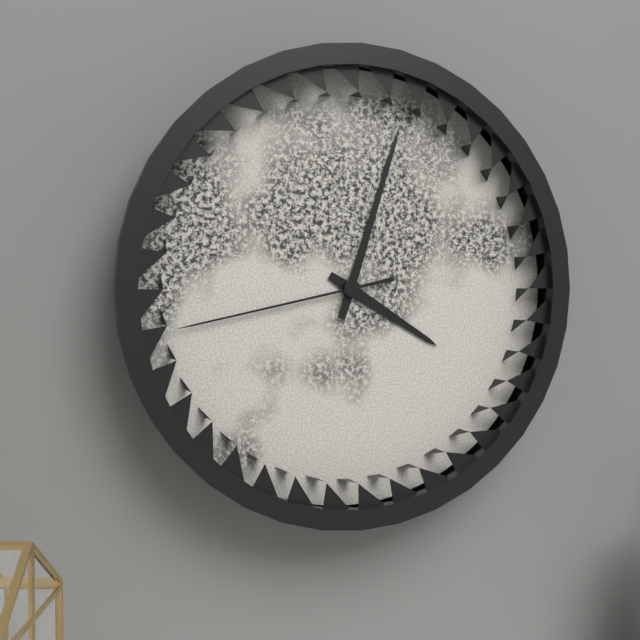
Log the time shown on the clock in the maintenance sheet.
4:03:43
